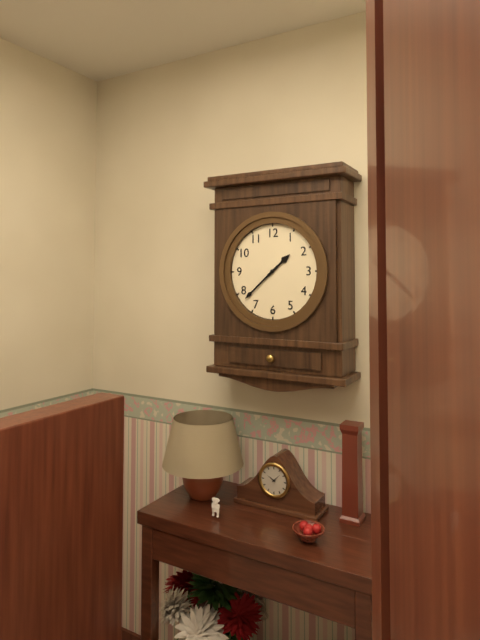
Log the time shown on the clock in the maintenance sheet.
1:38
